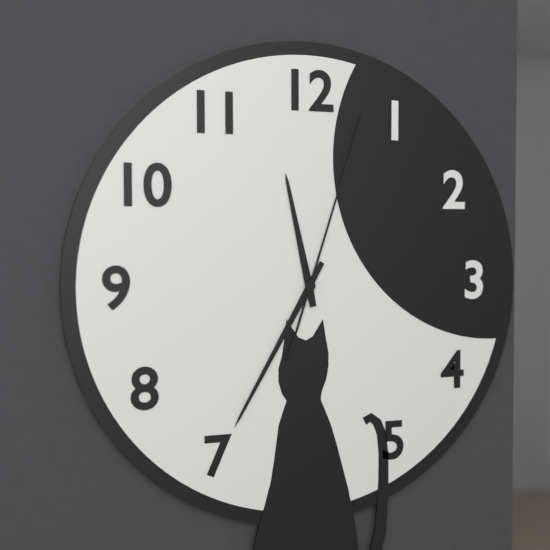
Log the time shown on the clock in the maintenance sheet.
11:35:03
